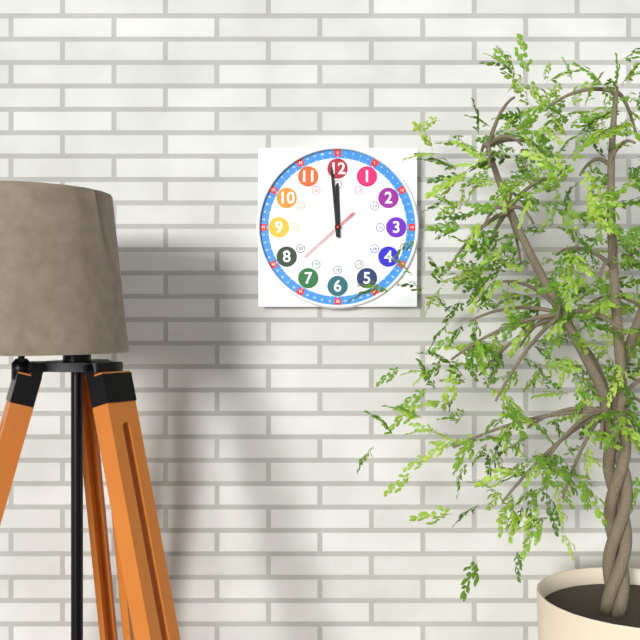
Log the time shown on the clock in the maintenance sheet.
11:59:38
